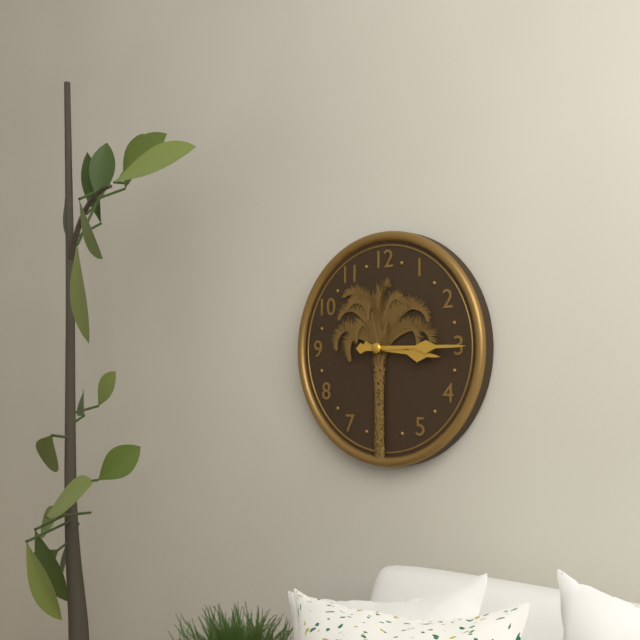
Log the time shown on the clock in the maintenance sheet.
3:15
